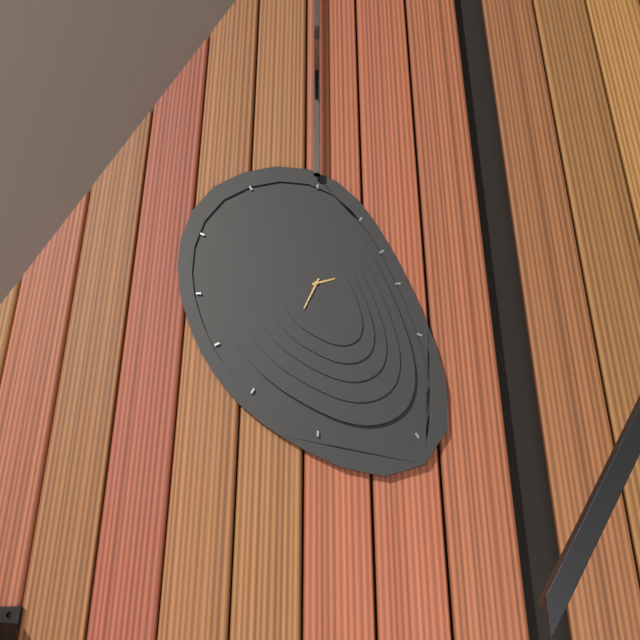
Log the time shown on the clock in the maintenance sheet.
2:34
